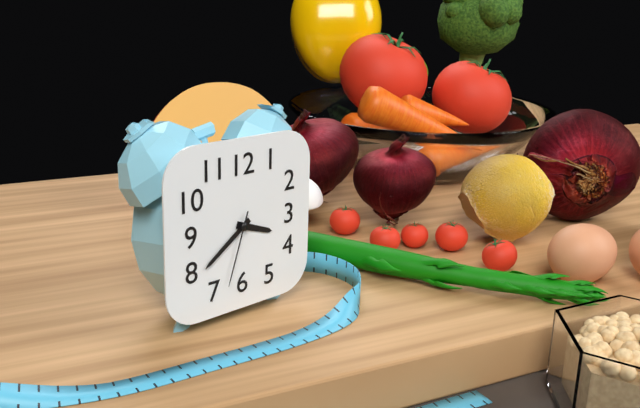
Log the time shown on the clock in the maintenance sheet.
3:39:33
